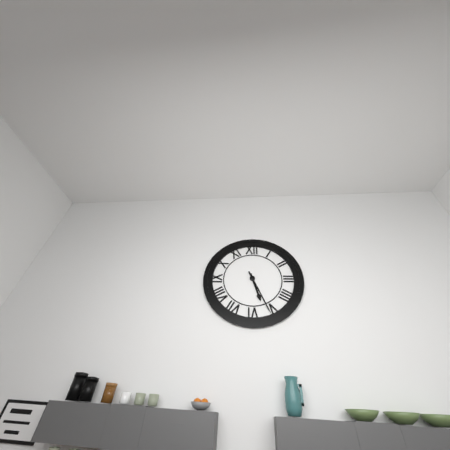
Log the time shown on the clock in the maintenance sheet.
5:26
